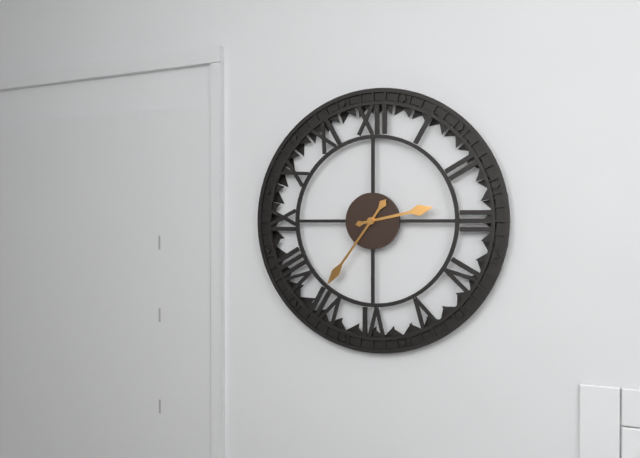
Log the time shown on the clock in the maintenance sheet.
2:36
